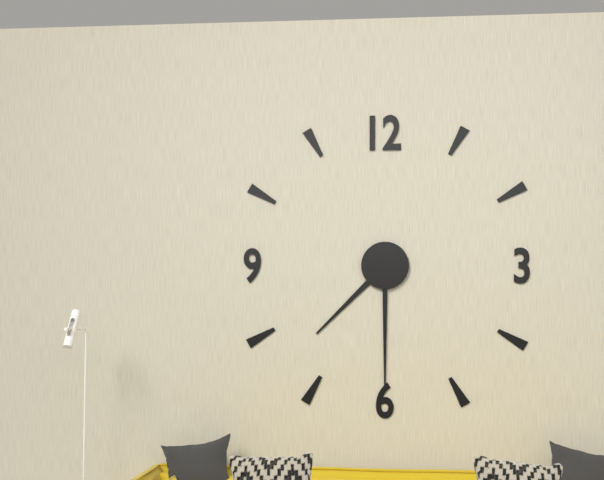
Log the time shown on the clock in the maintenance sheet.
7:30
